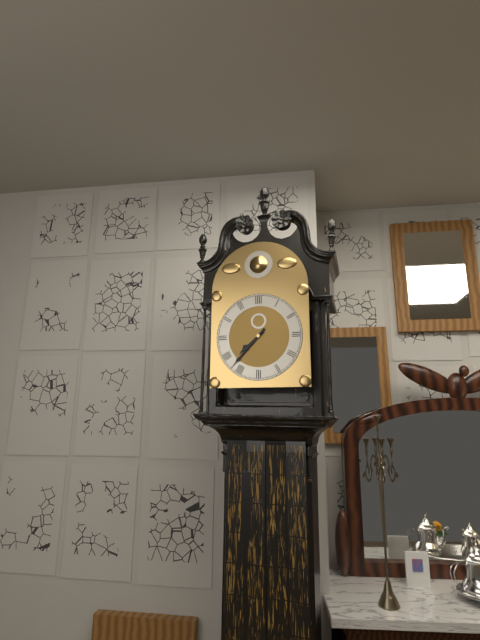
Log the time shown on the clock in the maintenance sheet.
7:37
